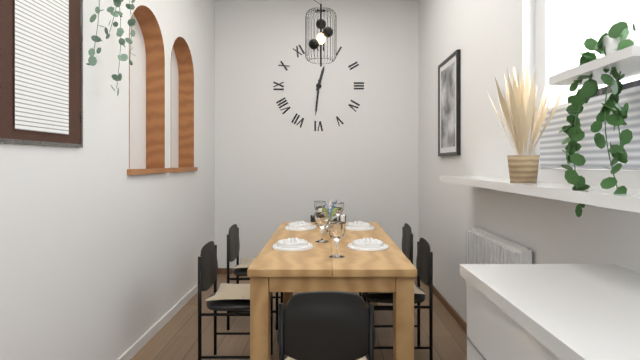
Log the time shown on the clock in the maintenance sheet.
12:31
